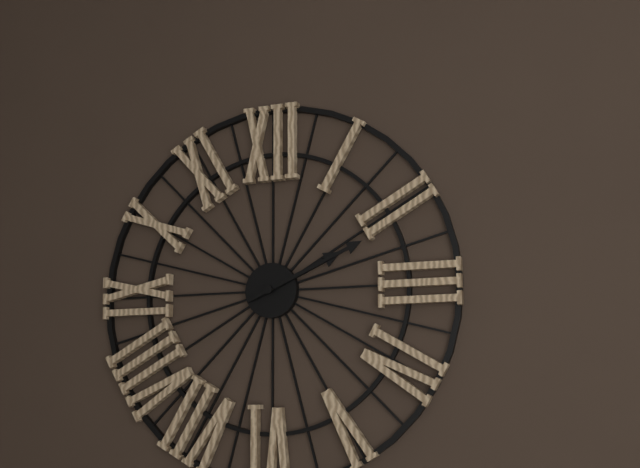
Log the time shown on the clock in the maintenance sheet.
2:11
